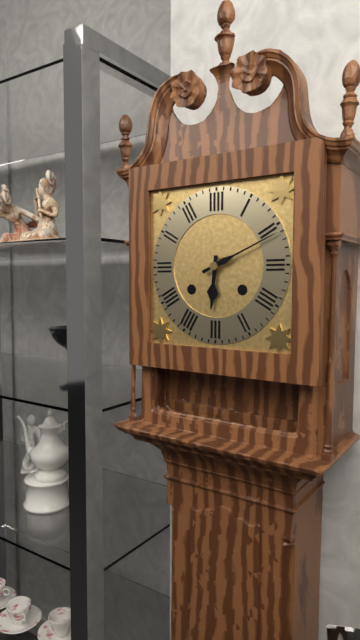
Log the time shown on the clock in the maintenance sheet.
6:11
